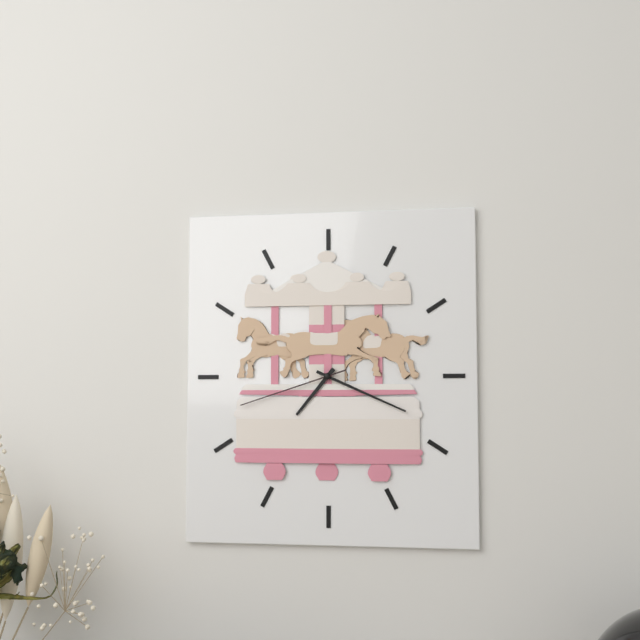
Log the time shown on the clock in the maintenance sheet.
7:19:42
